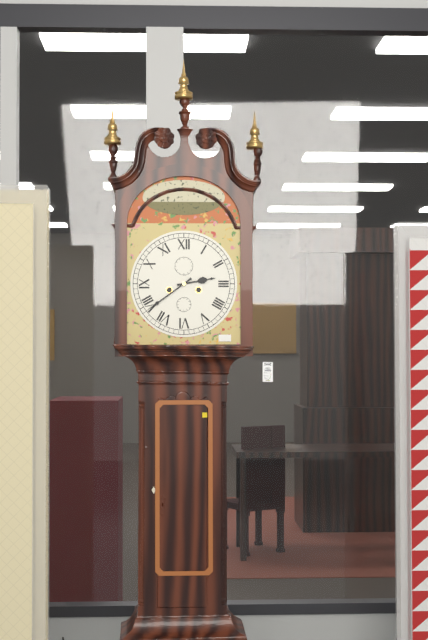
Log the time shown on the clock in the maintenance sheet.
2:39
